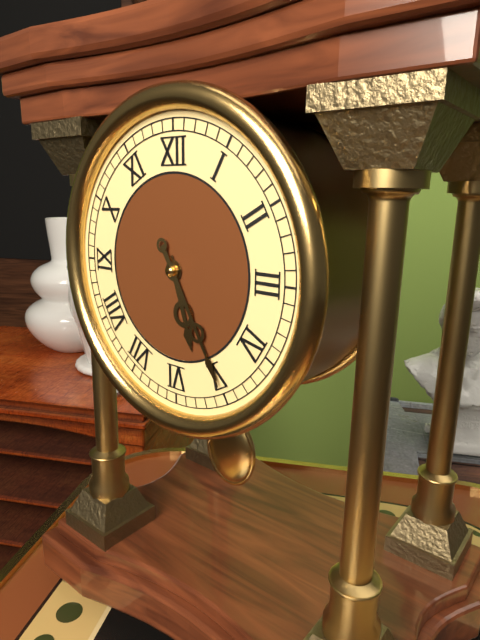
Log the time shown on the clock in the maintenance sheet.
5:25
